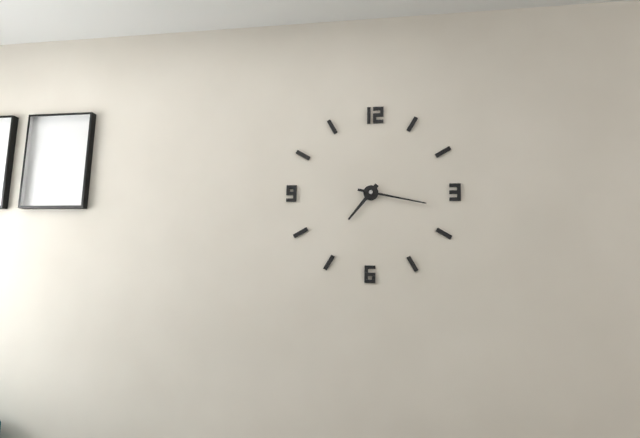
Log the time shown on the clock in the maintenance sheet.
7:17
